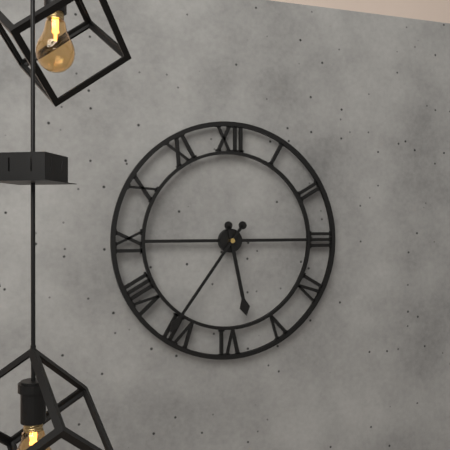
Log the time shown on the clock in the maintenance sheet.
5:36
